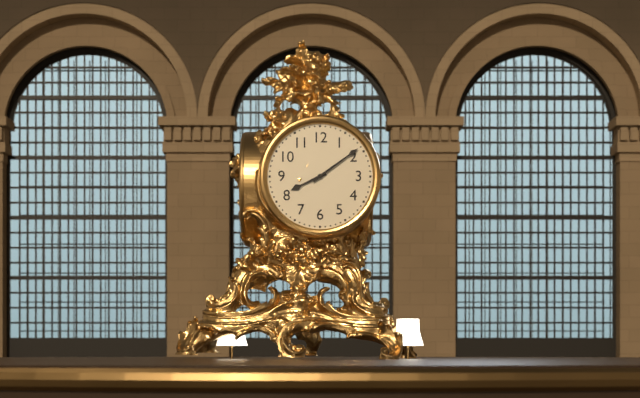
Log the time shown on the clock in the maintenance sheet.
8:09
